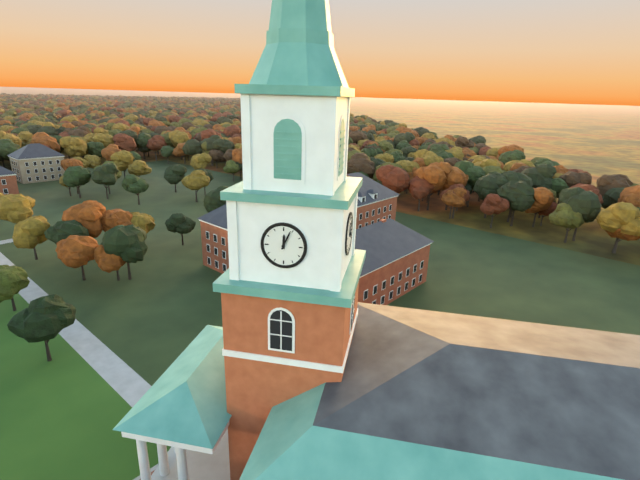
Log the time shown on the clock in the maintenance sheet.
12:04
